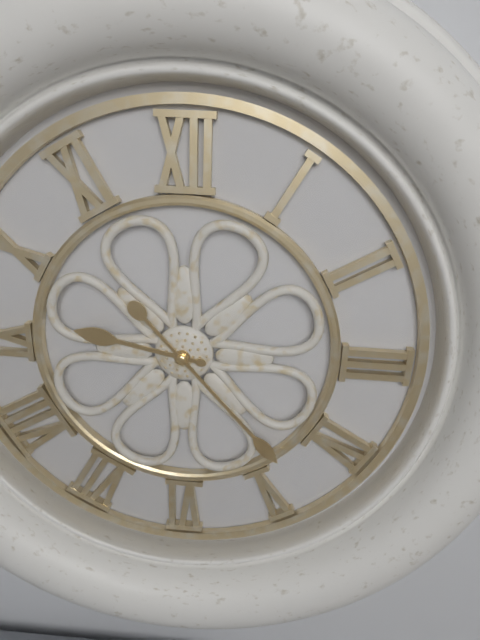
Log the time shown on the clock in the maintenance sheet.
9:23
